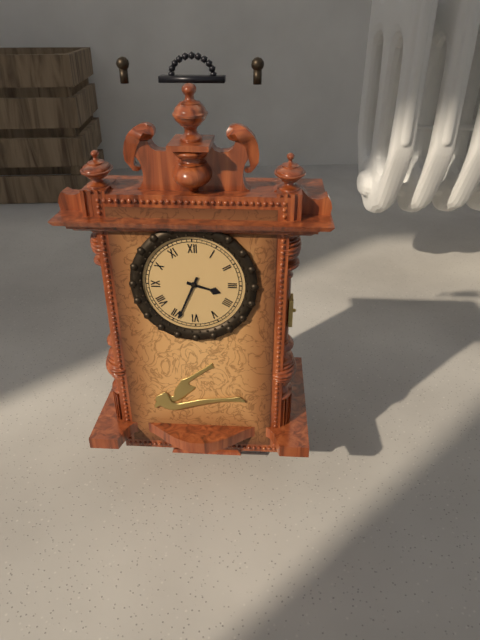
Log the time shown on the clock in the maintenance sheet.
3:34
